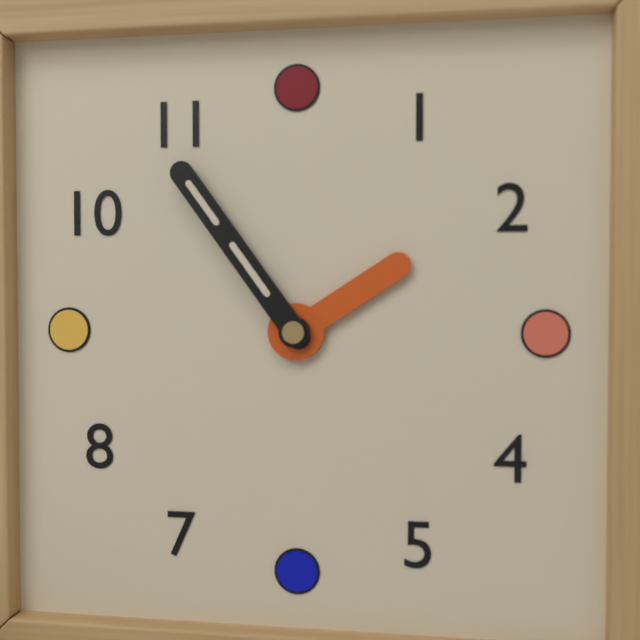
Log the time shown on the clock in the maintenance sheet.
1:54
